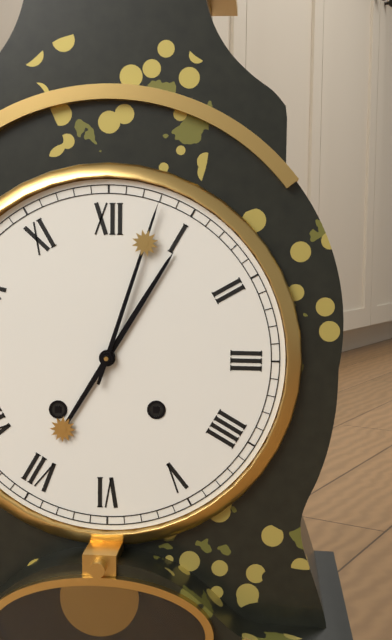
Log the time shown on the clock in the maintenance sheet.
1:03
